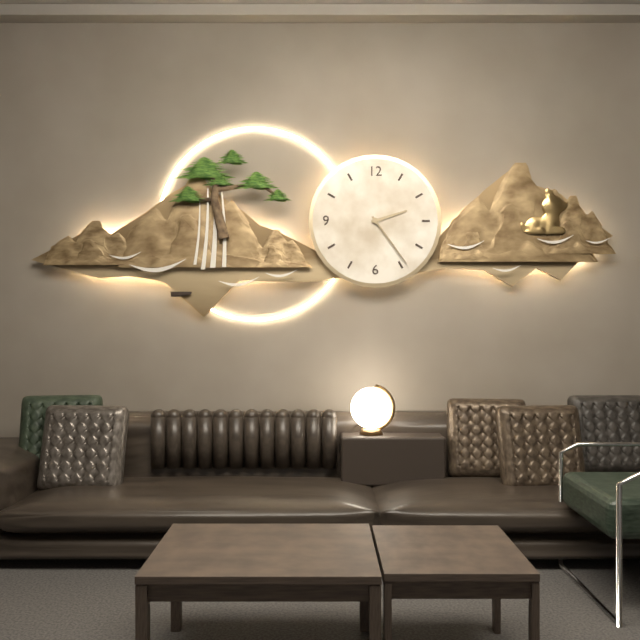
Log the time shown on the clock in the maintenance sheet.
2:24
